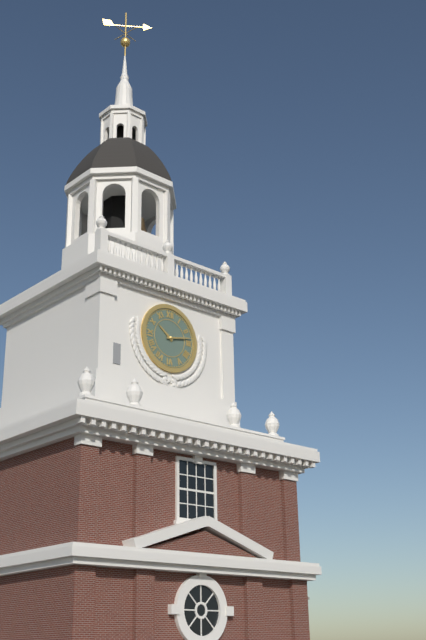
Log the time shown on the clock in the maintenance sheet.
10:13
